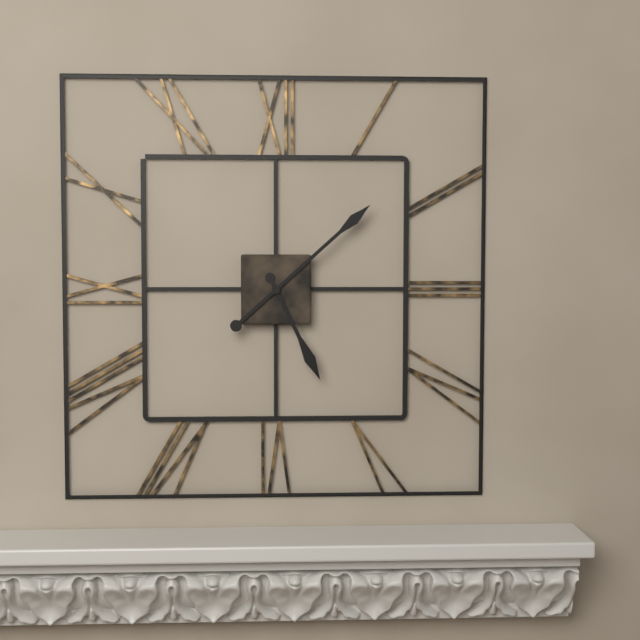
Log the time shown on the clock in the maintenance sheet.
5:08
